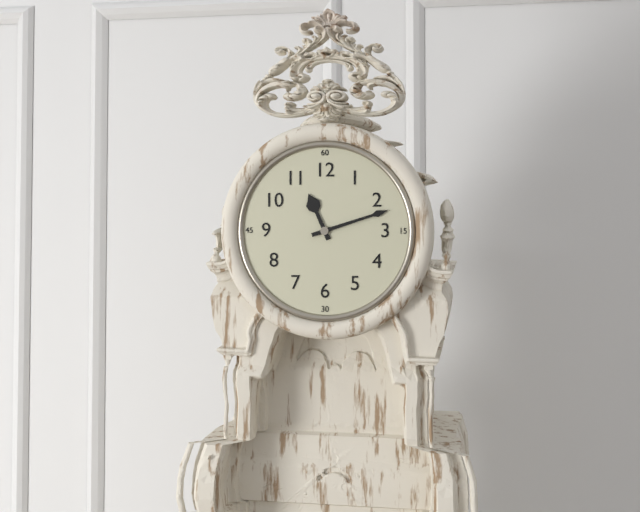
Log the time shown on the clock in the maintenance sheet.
11:12
